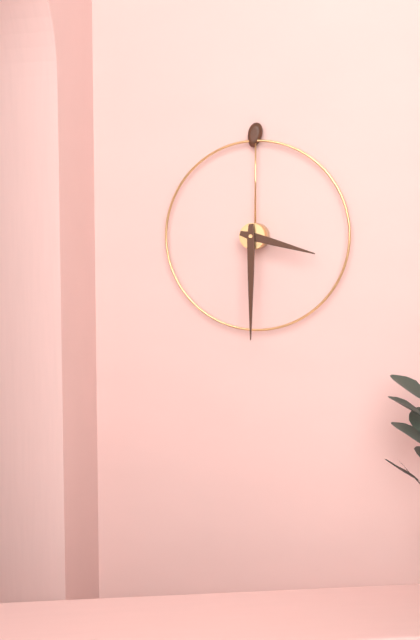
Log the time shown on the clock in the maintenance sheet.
3:30
